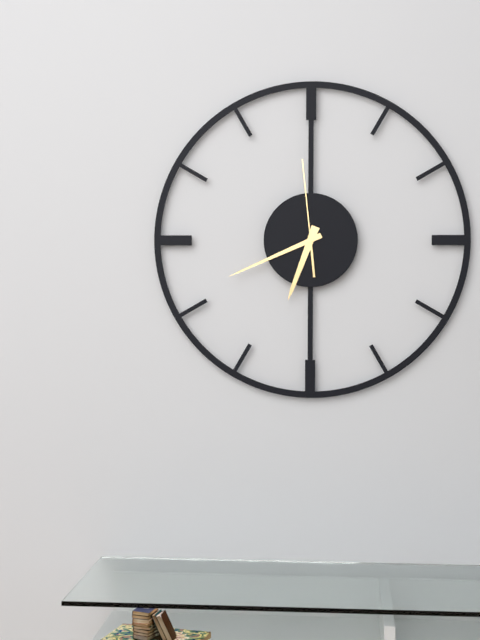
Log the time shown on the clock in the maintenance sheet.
6:41:59
